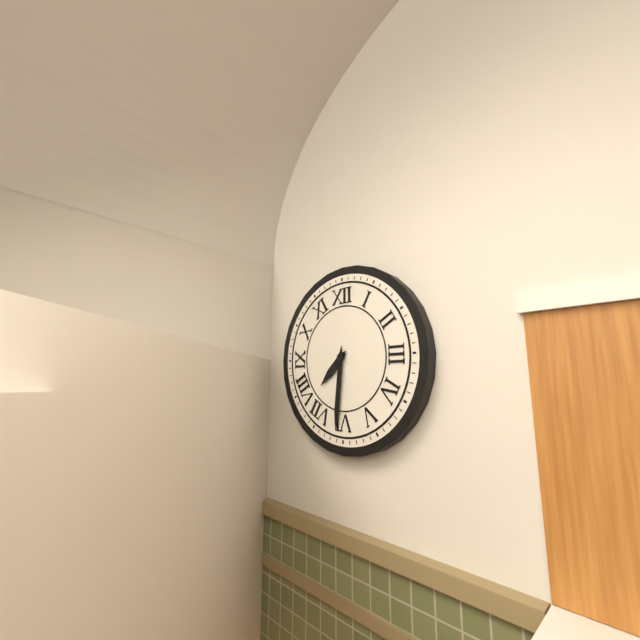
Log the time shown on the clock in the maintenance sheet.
7:31
